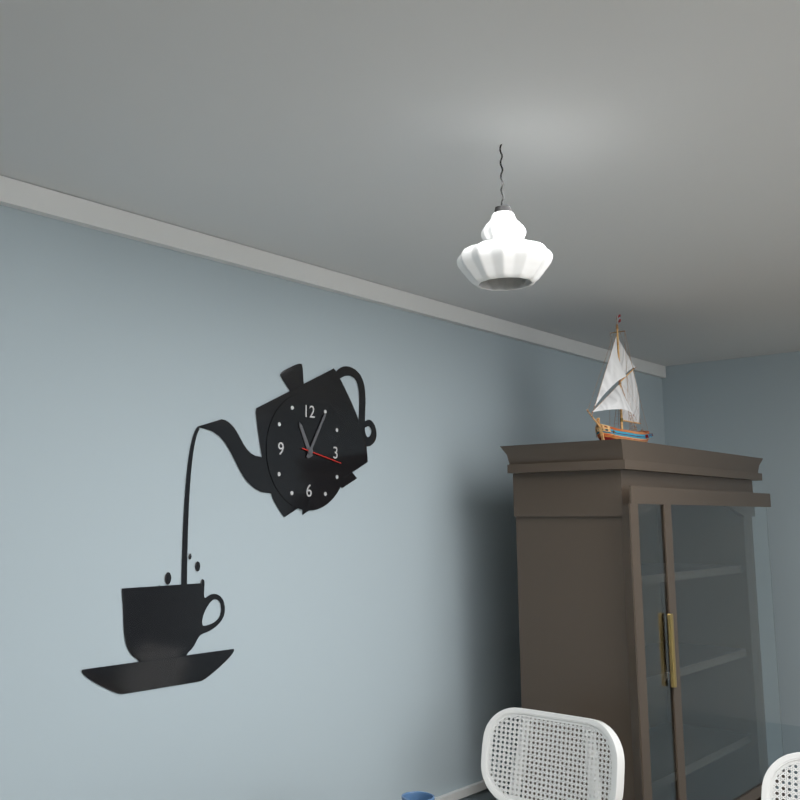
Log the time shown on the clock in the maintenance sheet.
11:05
